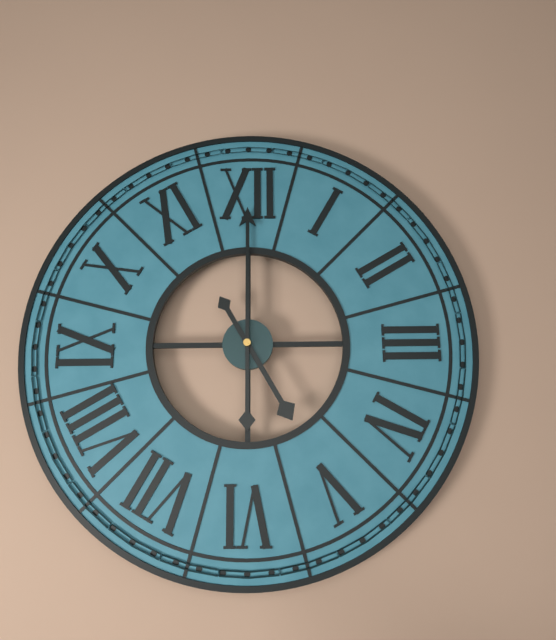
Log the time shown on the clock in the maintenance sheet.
5:00
